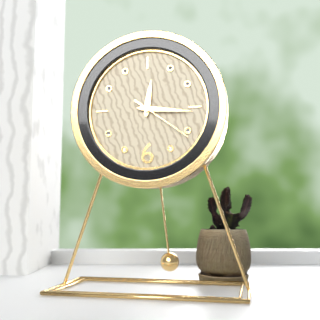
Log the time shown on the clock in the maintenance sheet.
12:16:21
